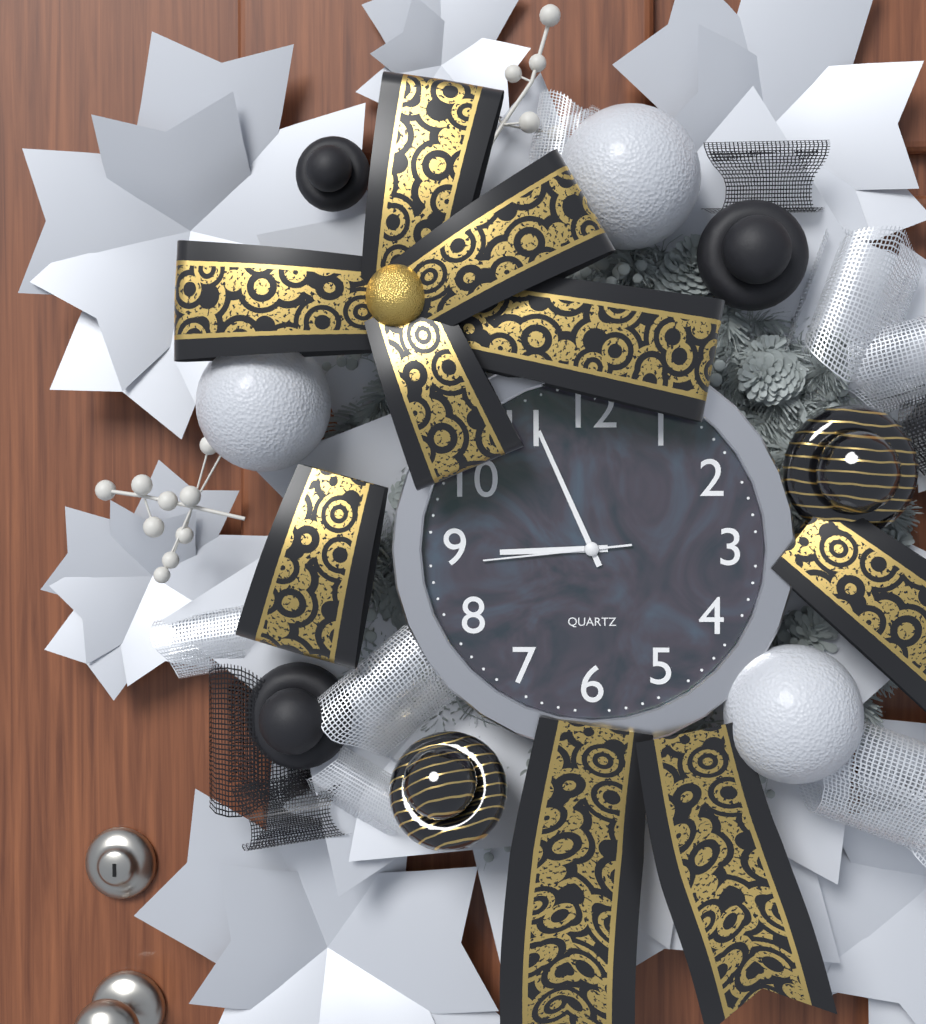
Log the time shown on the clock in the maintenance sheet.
8:56:44
